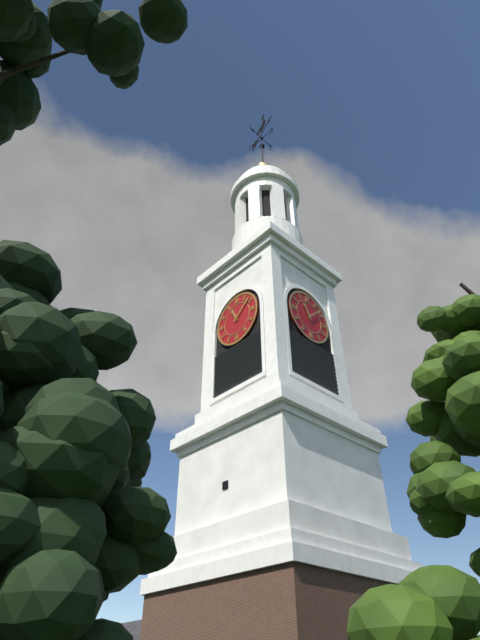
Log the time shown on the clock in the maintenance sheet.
11:08
